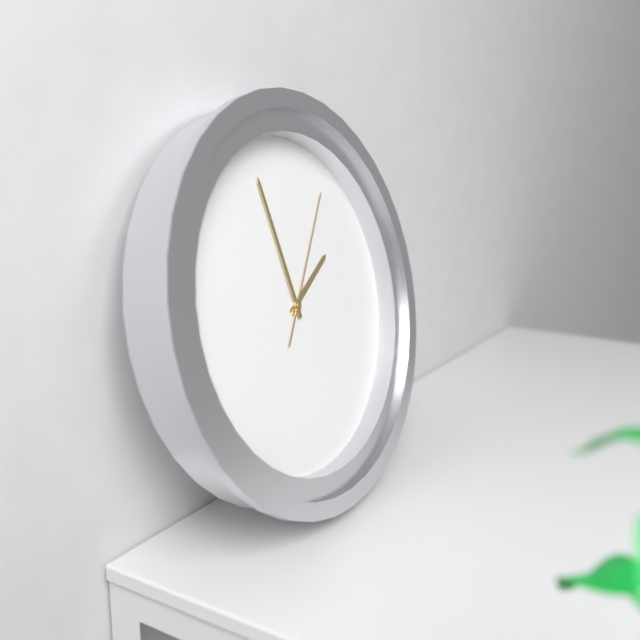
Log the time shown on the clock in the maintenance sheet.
1:58:06
